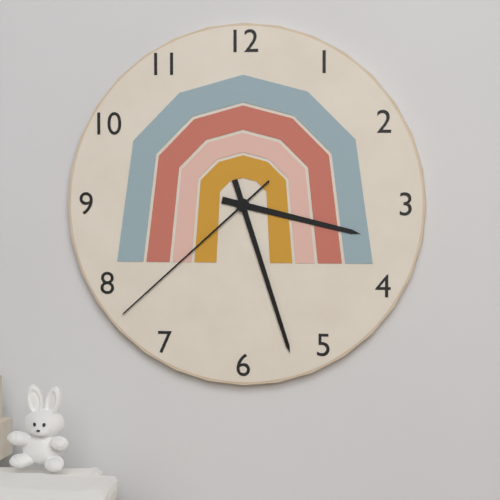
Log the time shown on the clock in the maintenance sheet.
3:27:38
